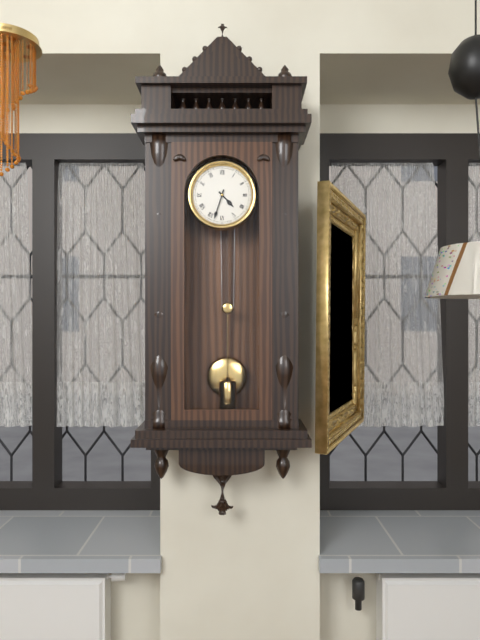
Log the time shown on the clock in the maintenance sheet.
4:33
